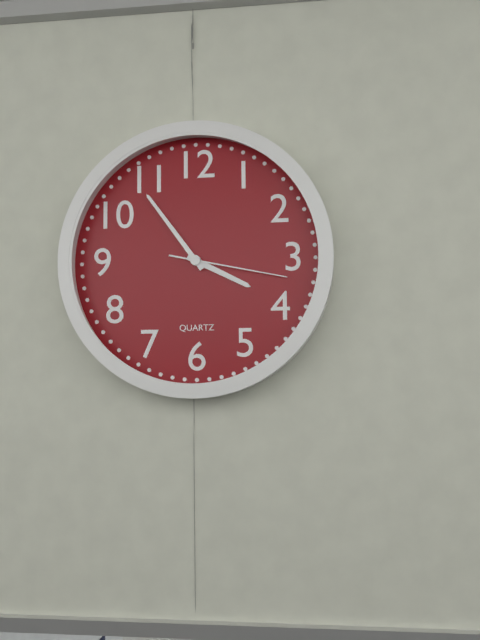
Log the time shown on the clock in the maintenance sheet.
3:54:17
